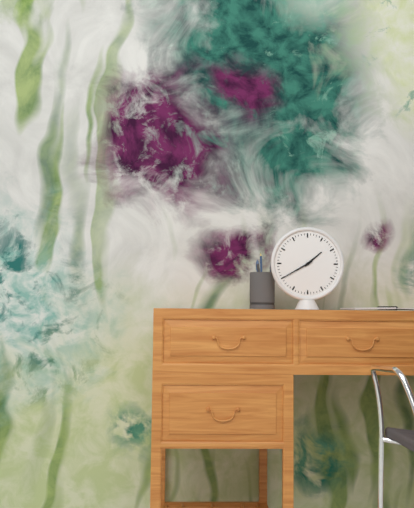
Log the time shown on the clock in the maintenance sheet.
1:40
